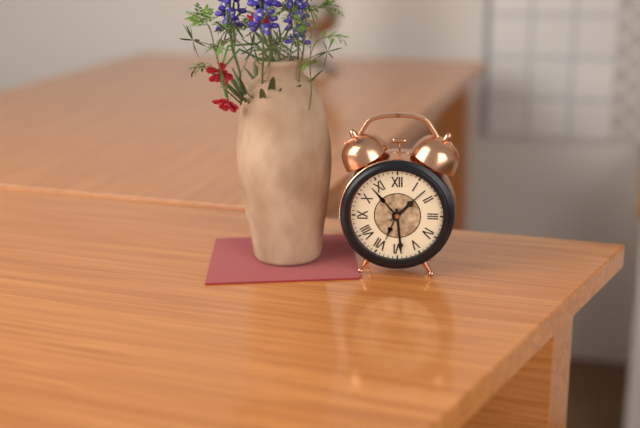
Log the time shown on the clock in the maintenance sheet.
1:29
